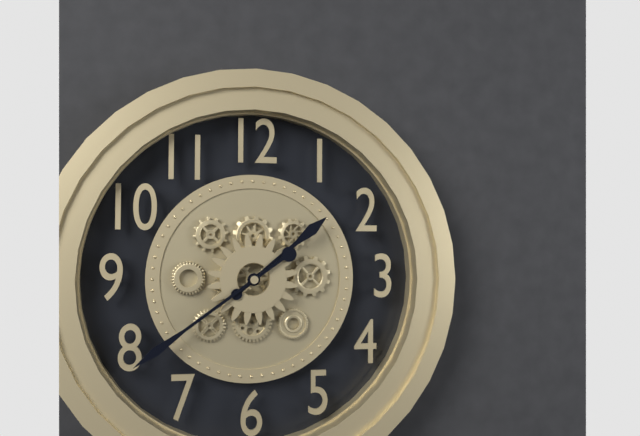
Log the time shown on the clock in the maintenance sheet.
1:39
